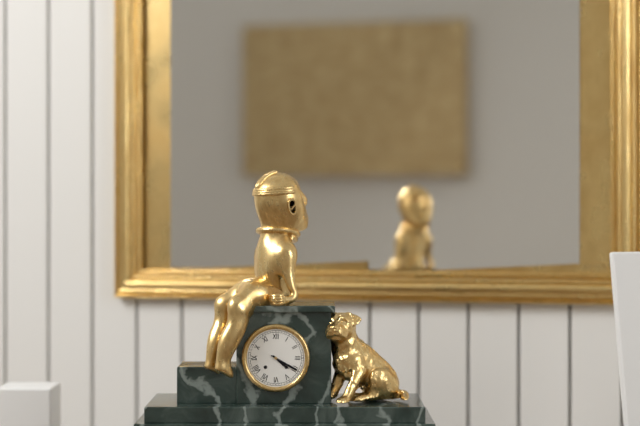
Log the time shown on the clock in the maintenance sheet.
4:20
